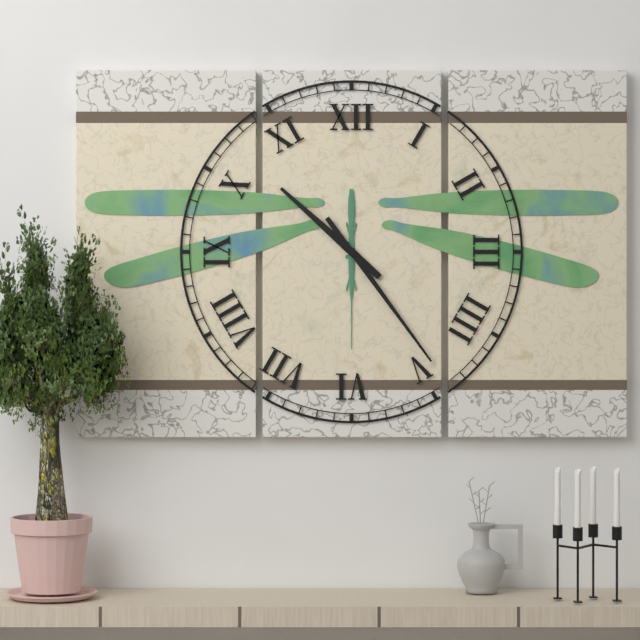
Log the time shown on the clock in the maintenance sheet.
10:24
